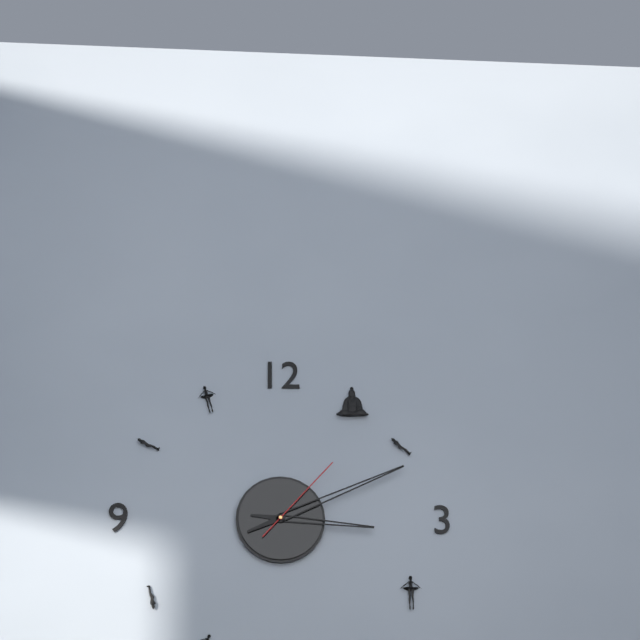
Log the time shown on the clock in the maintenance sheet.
3:11:07
